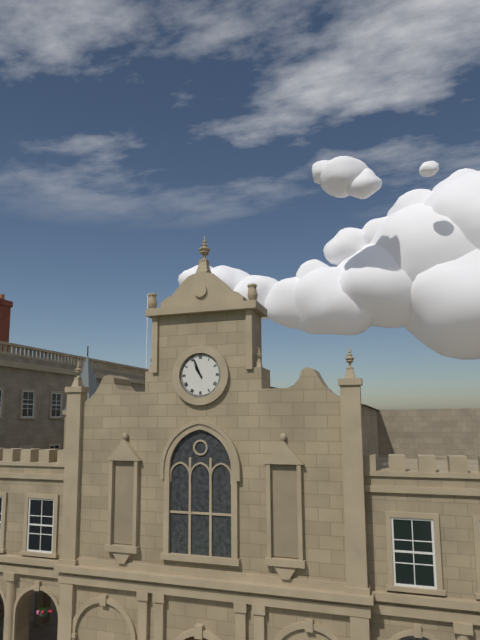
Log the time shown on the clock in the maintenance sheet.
10:56
